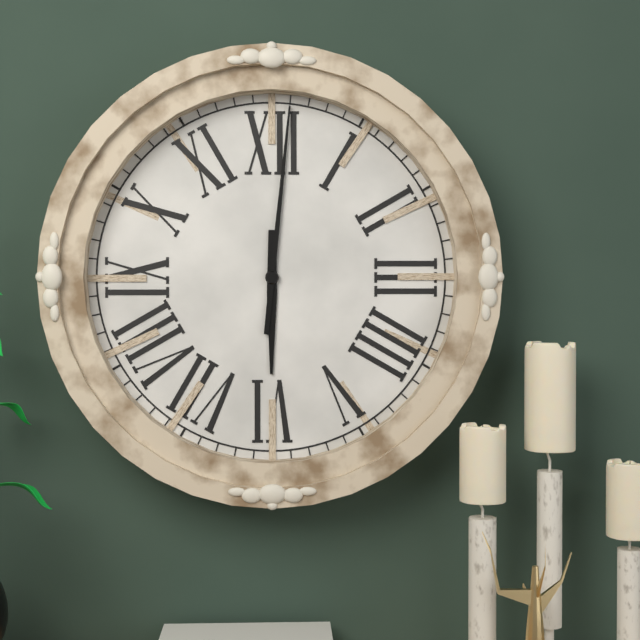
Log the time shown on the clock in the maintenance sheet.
6:01
